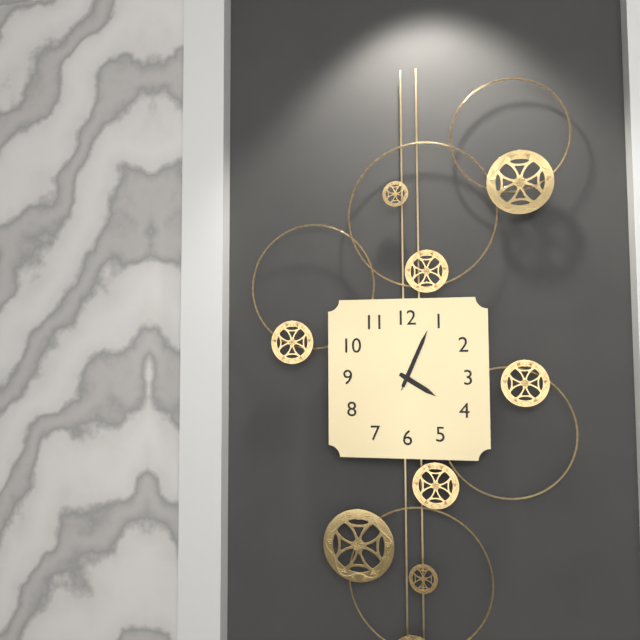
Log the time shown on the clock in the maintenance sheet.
4:04:04
